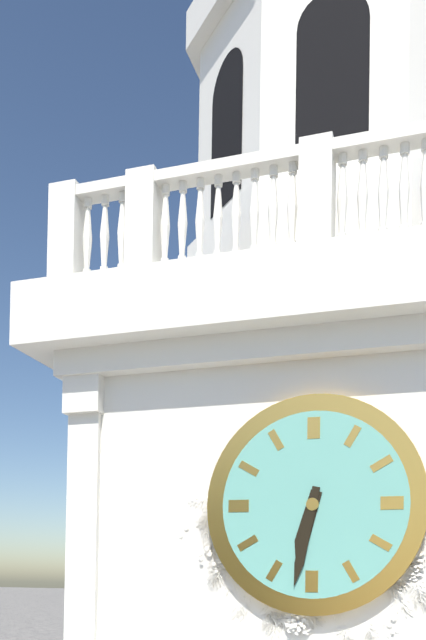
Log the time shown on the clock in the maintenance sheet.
6:32
